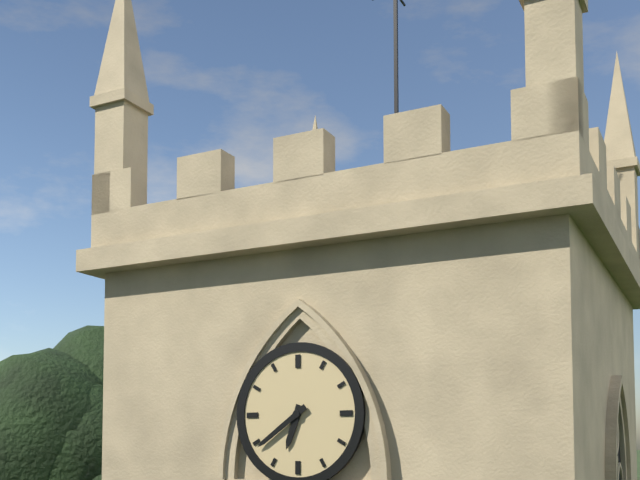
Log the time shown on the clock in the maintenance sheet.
6:39
